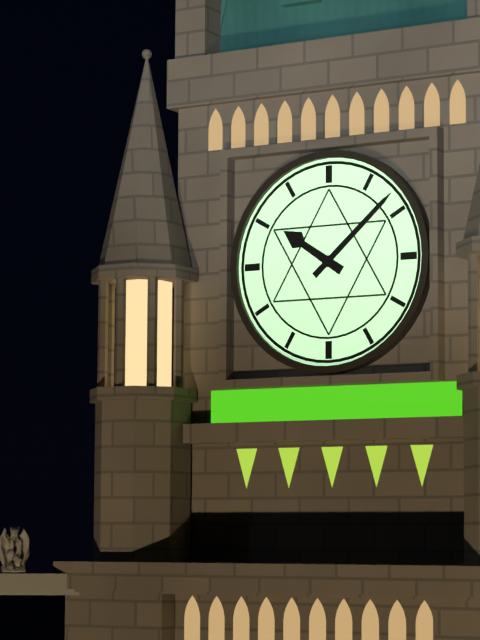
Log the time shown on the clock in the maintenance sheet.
10:08
